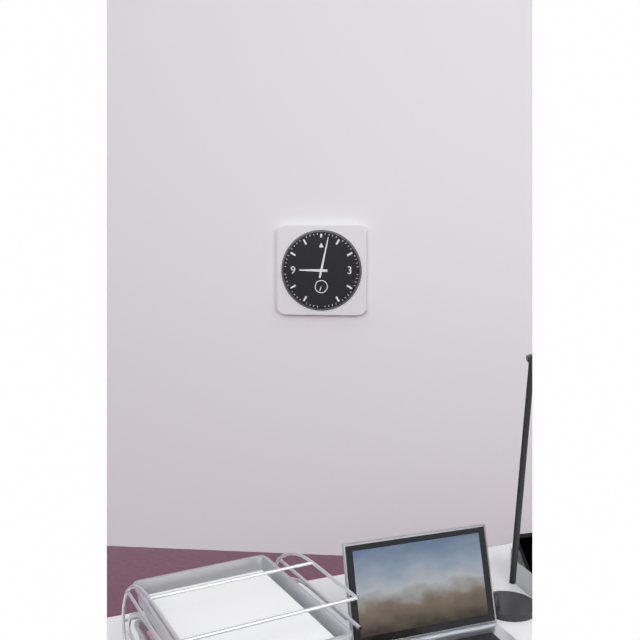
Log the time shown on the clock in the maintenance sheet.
9:02
